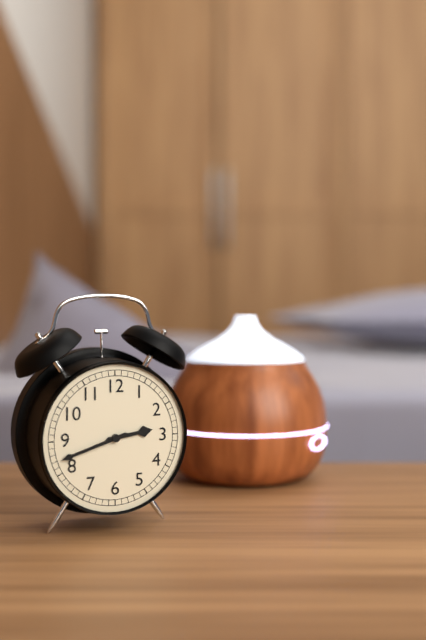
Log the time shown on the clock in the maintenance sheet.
2:42
